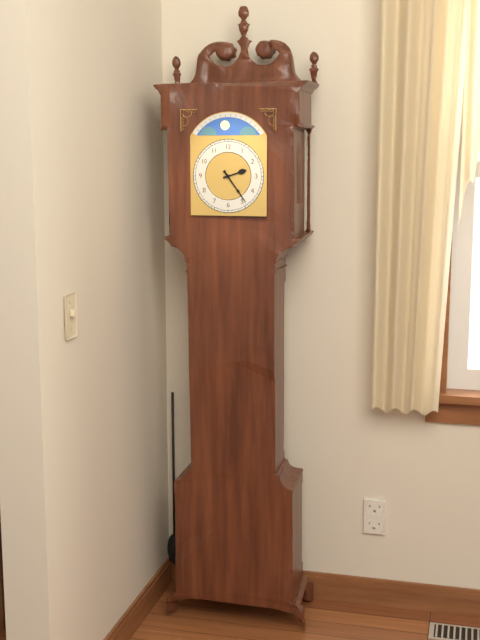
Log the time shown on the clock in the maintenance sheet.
2:24
